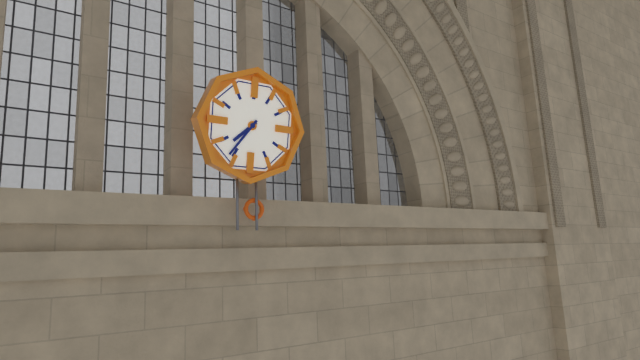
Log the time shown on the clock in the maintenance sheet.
7:36
